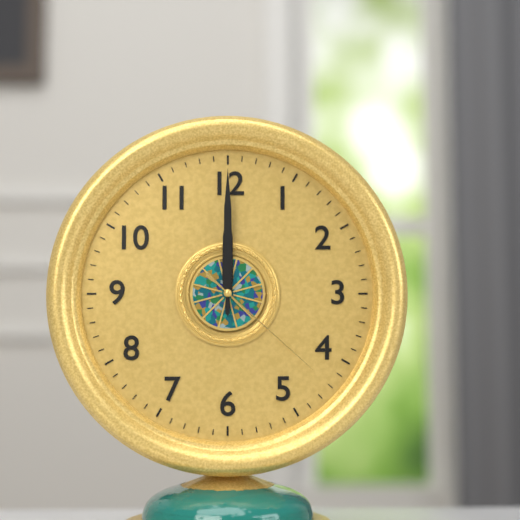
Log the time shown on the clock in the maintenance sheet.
12:00:22
